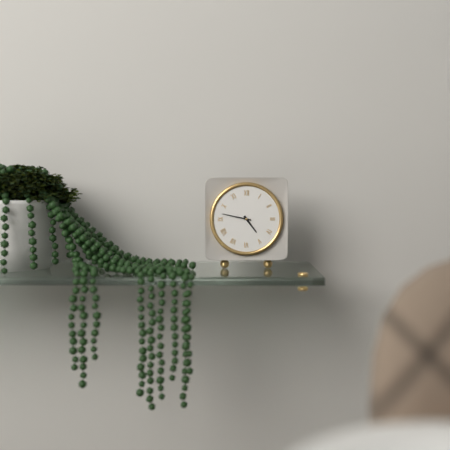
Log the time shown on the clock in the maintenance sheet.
4:47
